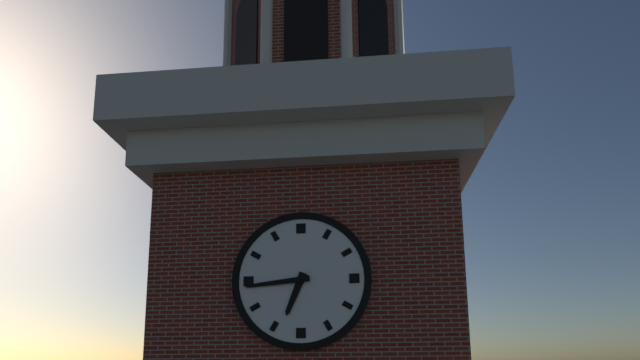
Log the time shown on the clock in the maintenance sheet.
6:44
